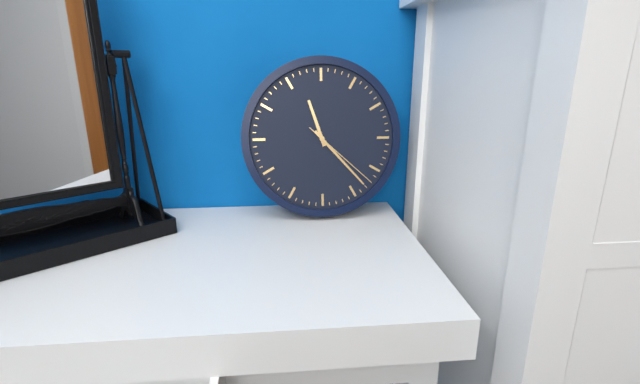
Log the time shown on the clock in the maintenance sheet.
11:23:22
